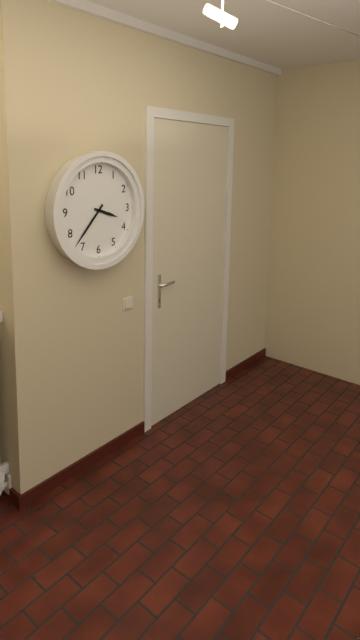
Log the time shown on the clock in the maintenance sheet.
3:37
